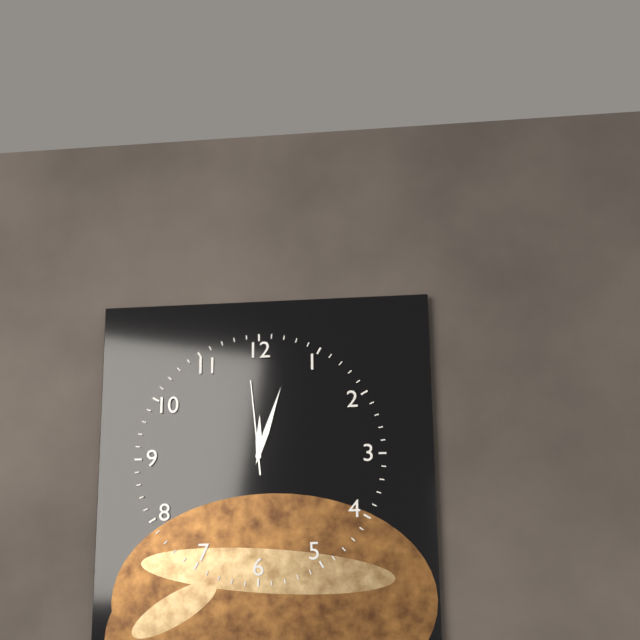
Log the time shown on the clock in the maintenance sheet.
12:03:59
